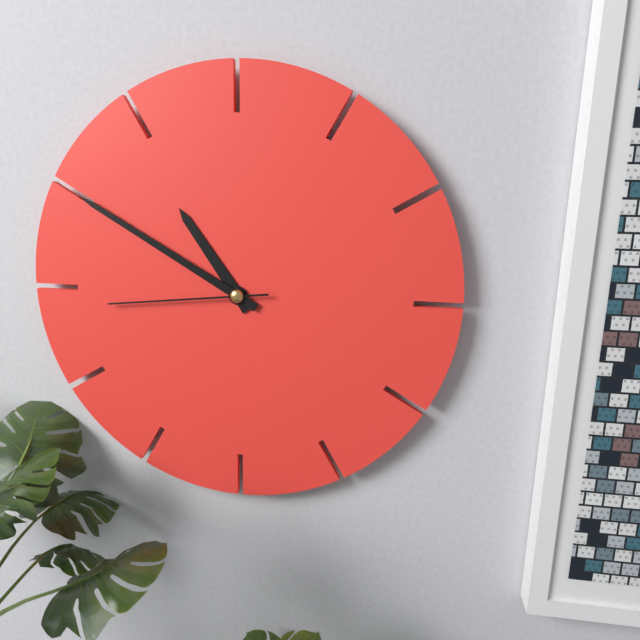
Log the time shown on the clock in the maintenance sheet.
10:50:44
